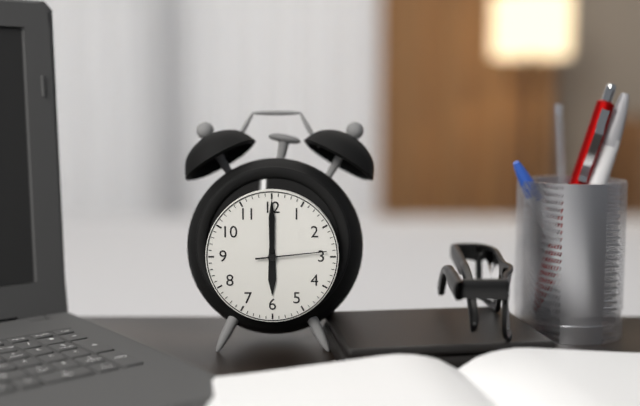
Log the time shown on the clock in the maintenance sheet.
6:00:14
